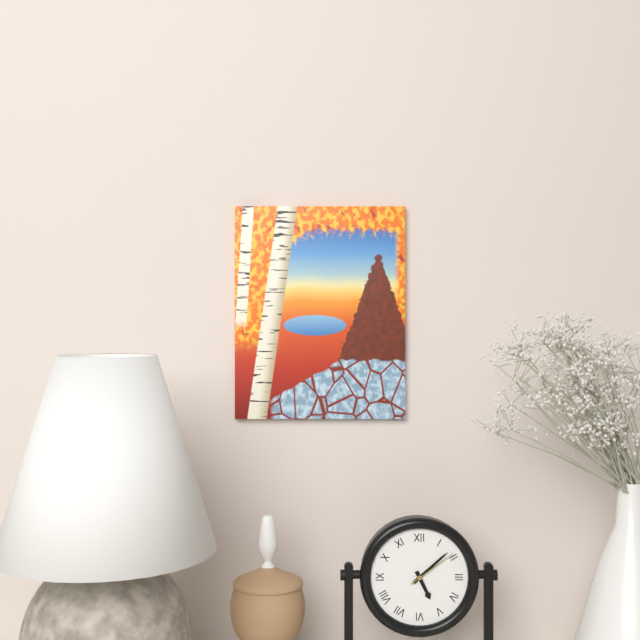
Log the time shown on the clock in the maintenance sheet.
5:08:09
